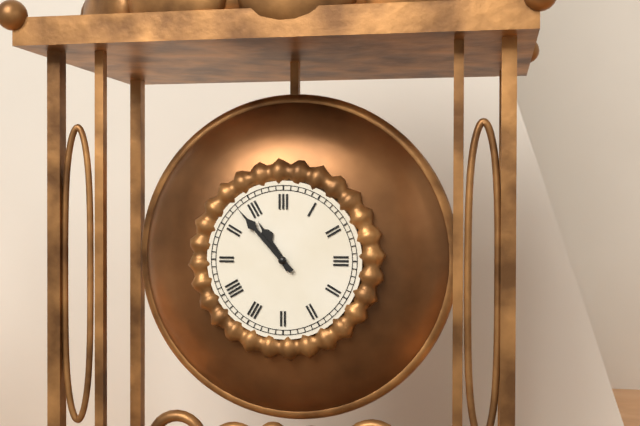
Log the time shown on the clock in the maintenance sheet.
10:53
